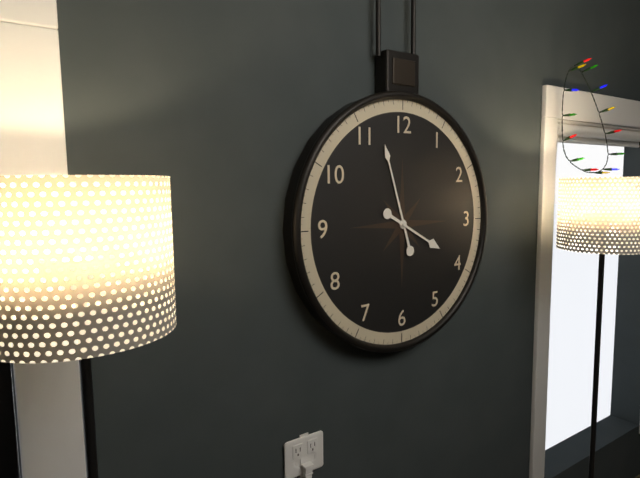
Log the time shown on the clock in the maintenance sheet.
3:57
